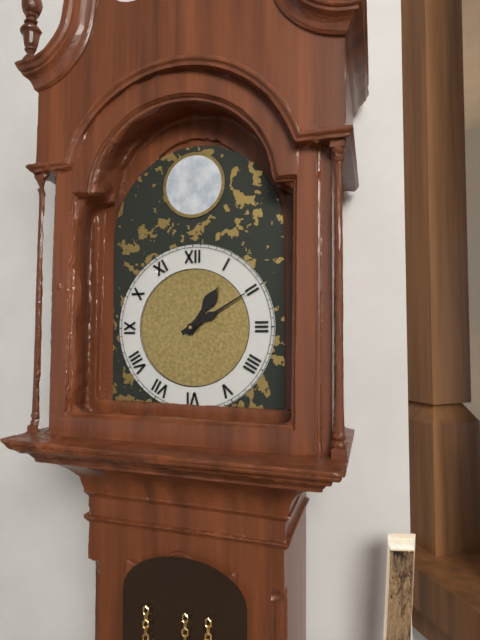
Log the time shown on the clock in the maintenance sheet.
1:10
